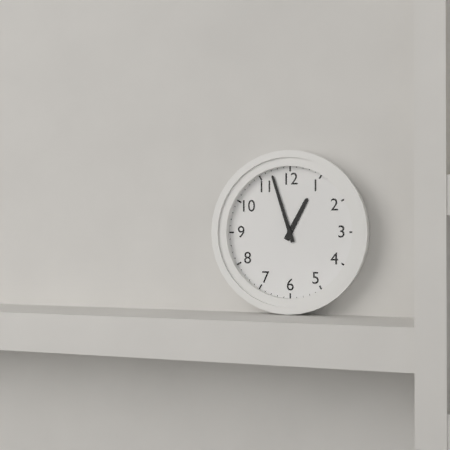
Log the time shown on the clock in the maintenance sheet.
12:57
